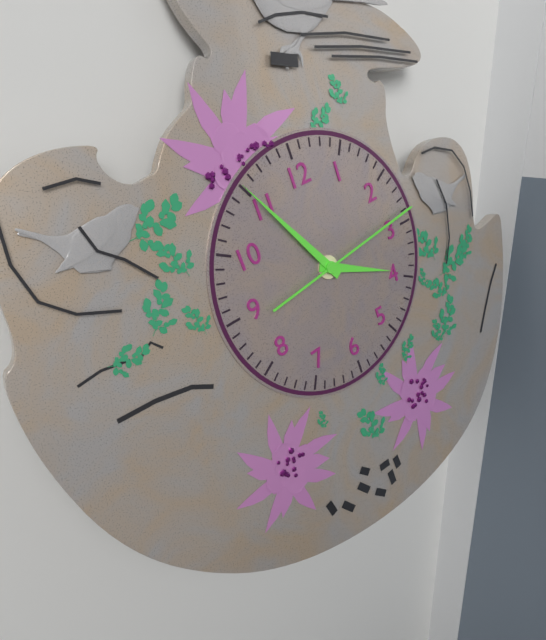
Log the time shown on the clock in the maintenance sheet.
3:55:14
